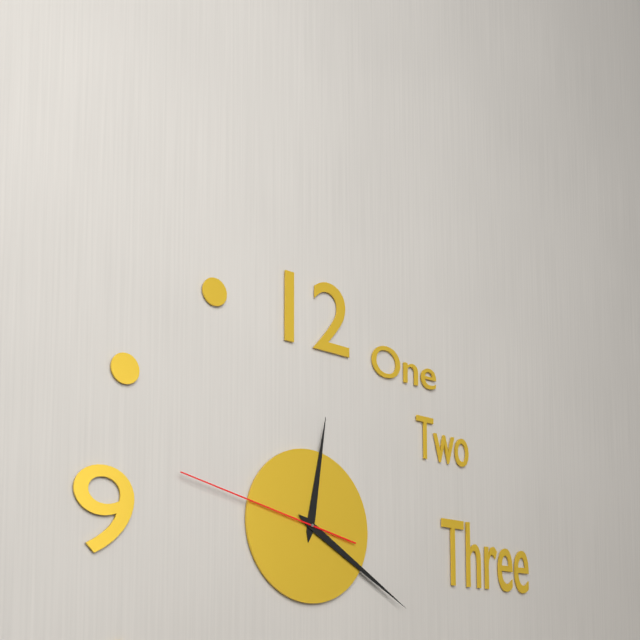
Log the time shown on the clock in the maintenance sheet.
12:20:47
